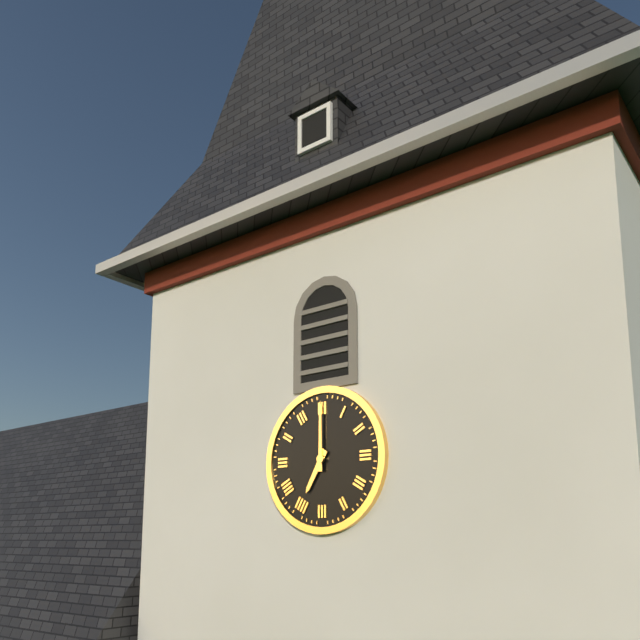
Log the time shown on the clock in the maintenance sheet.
7:00
